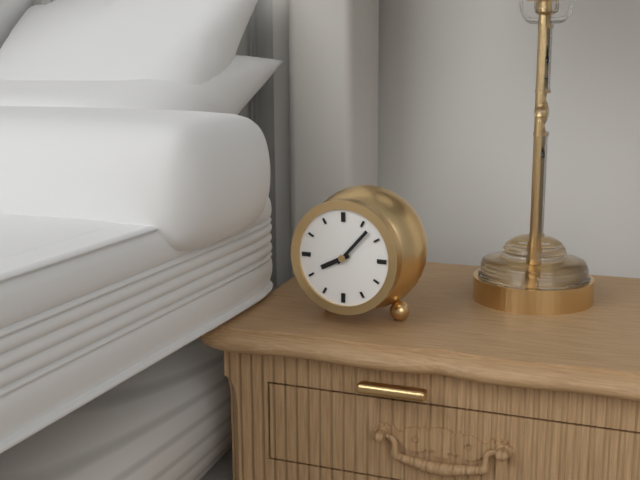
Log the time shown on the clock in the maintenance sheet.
8:07
